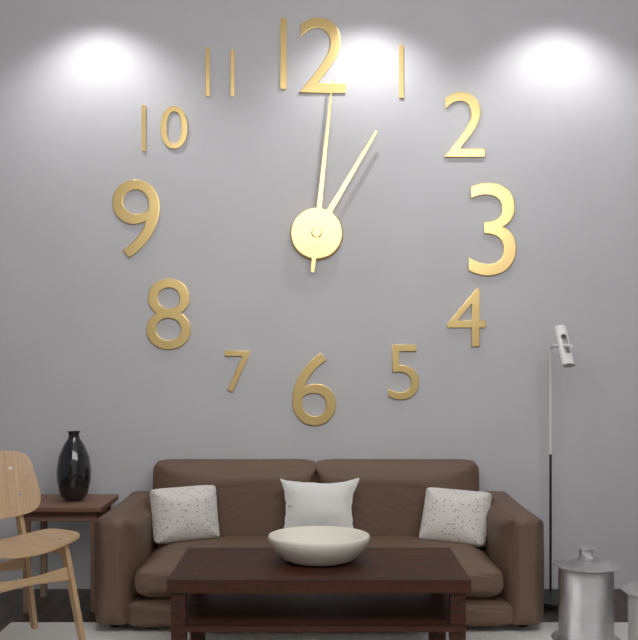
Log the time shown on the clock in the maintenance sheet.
1:01
